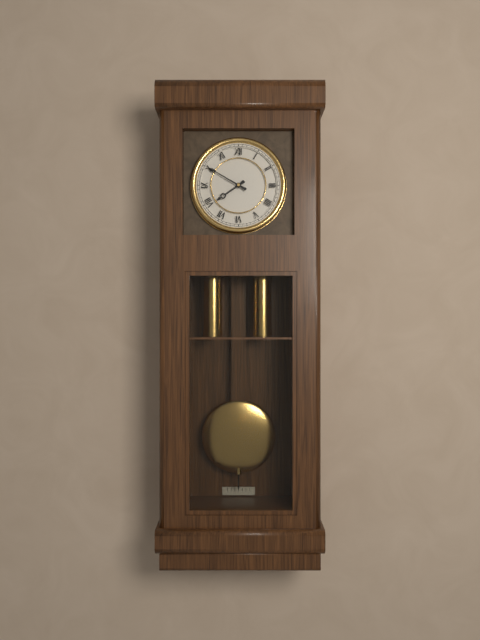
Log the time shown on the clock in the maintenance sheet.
7:50
